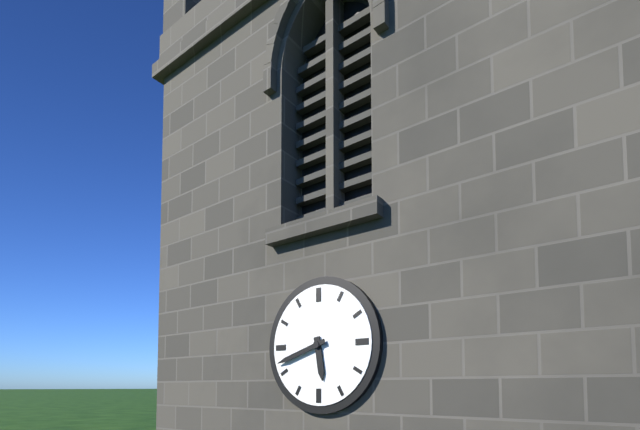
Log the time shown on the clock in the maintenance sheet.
5:42
